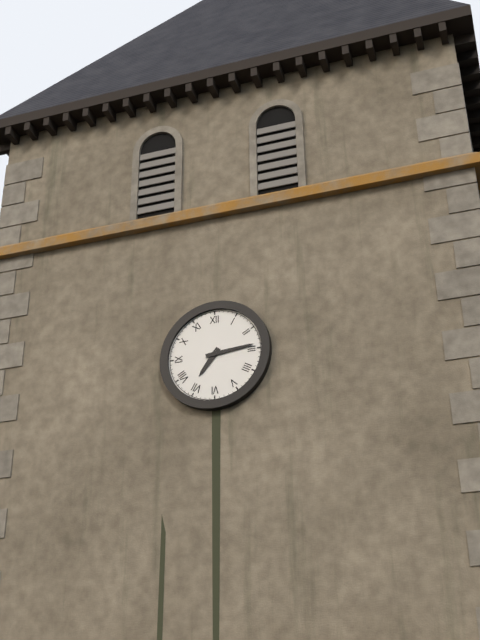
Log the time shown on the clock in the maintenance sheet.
7:14
